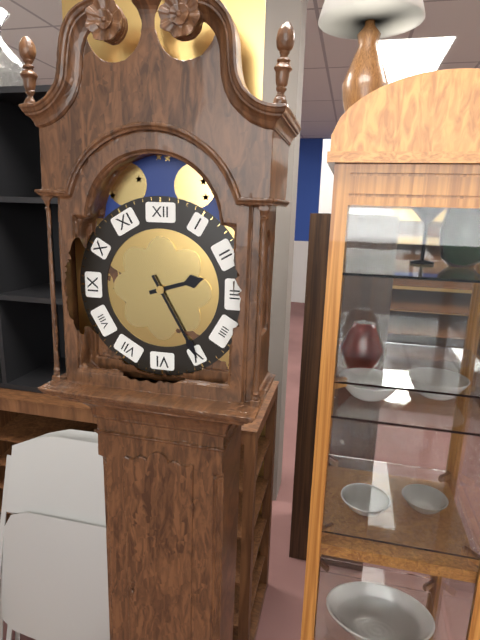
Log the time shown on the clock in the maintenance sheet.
2:25
